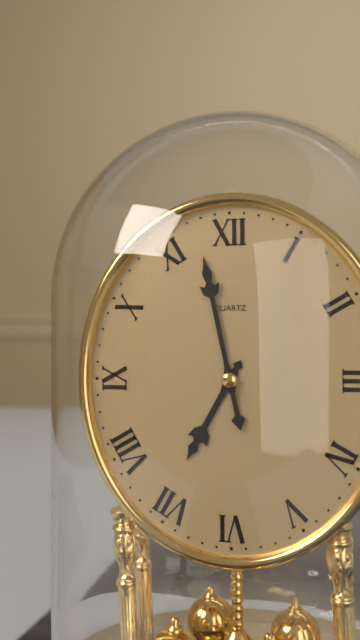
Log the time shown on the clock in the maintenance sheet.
6:58
